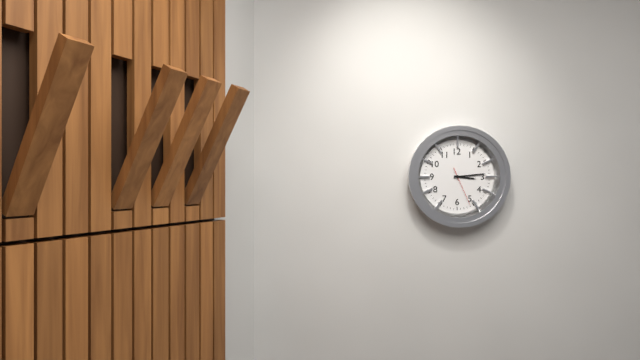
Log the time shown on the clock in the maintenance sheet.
3:14
